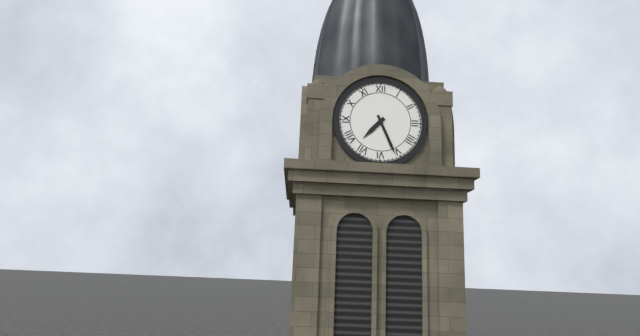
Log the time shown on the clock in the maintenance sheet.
7:26
